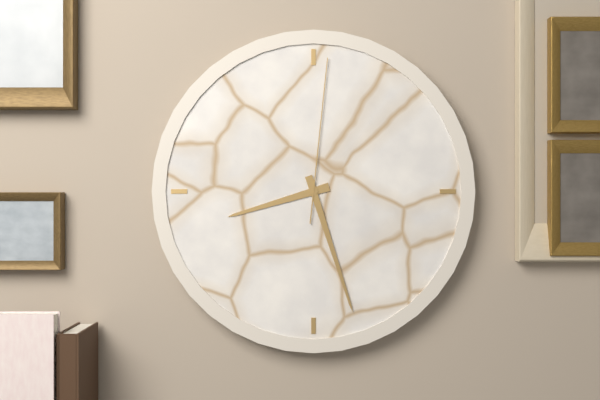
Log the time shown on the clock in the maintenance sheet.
8:27:01
